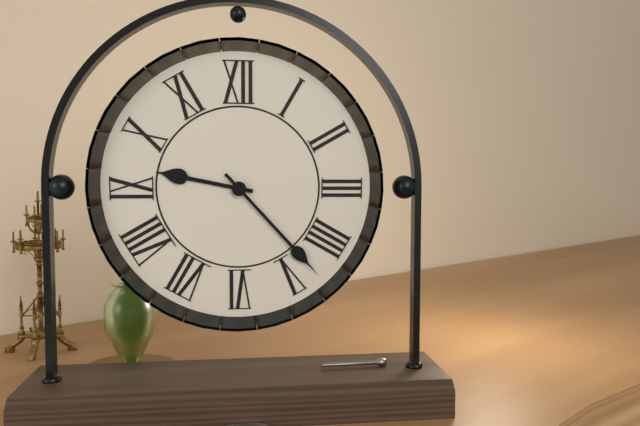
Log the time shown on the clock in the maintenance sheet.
9:23
